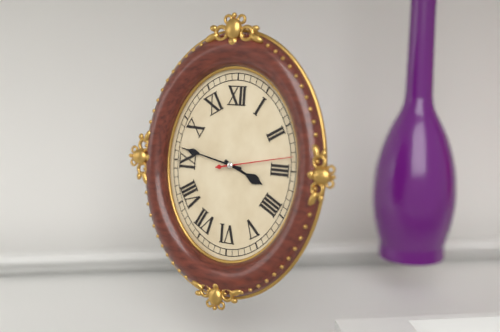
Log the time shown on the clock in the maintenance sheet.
3:47:13
